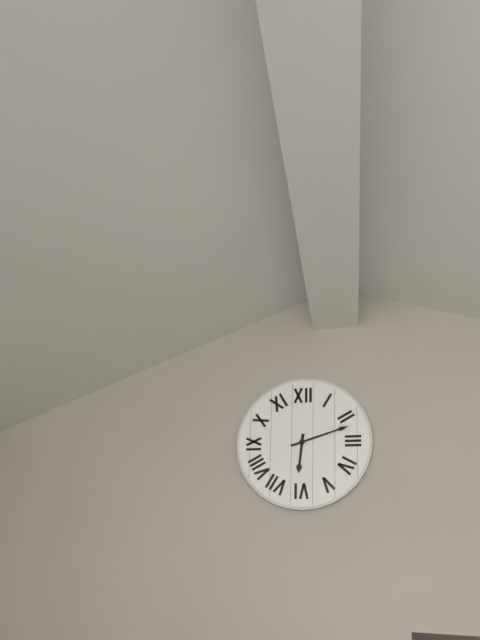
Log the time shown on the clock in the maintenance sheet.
6:12
